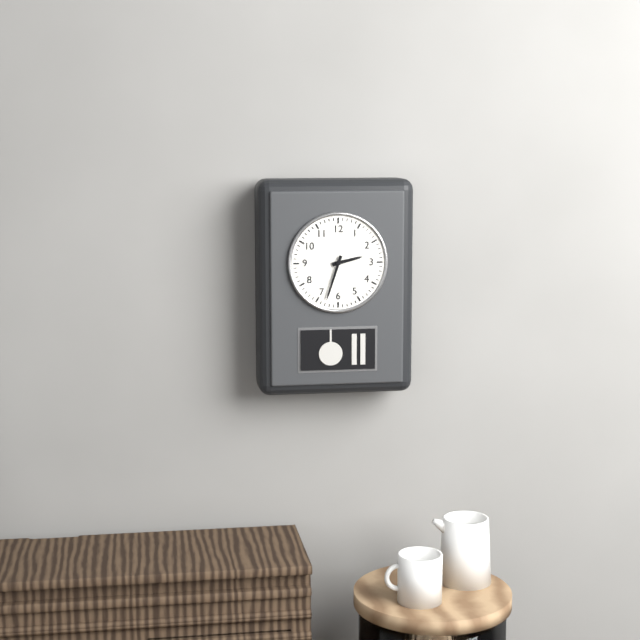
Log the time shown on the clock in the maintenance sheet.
2:33
